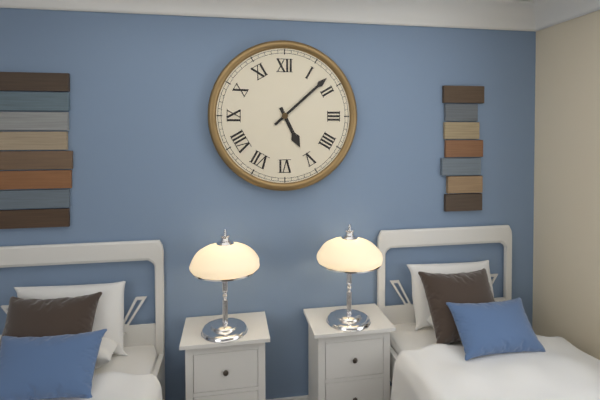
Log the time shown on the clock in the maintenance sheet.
5:08
